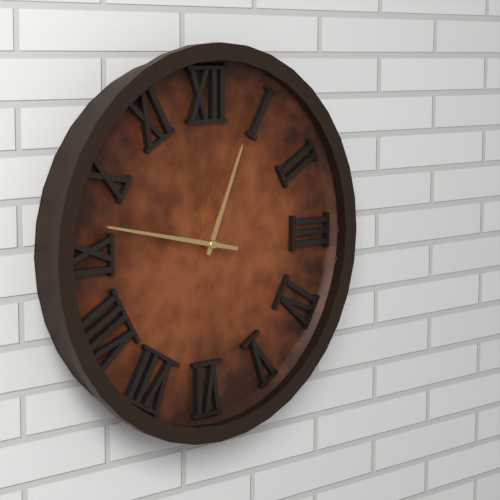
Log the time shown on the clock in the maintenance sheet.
12:47
